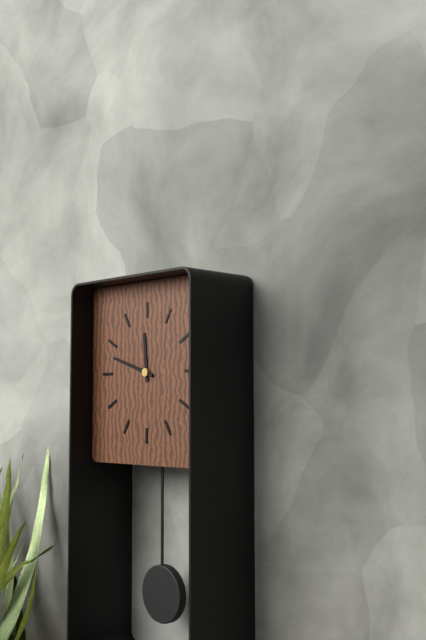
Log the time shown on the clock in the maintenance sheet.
11:48
